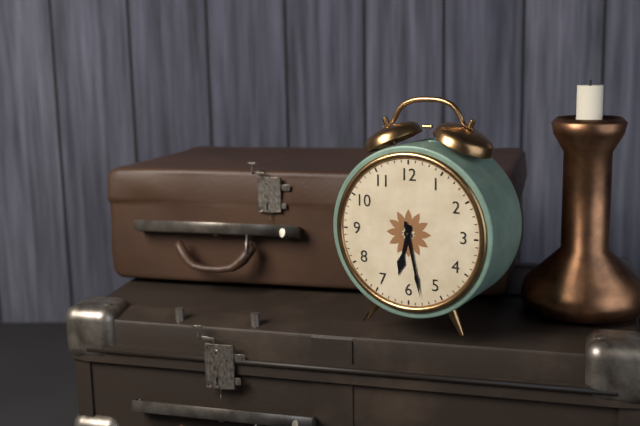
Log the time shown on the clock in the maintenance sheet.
6:28
